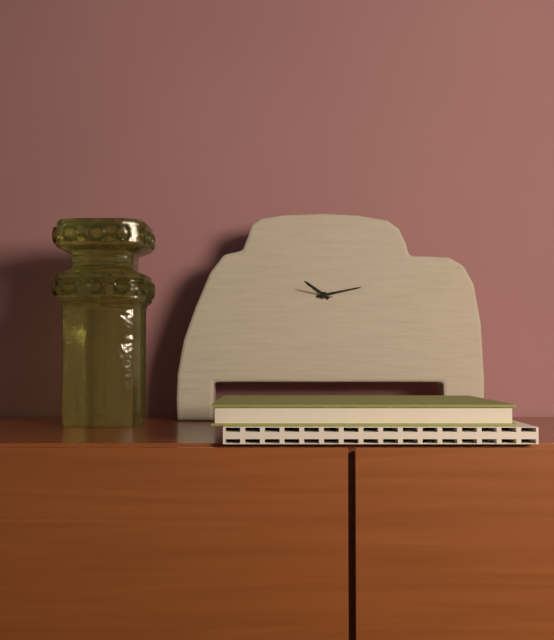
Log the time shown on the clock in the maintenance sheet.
10:13
